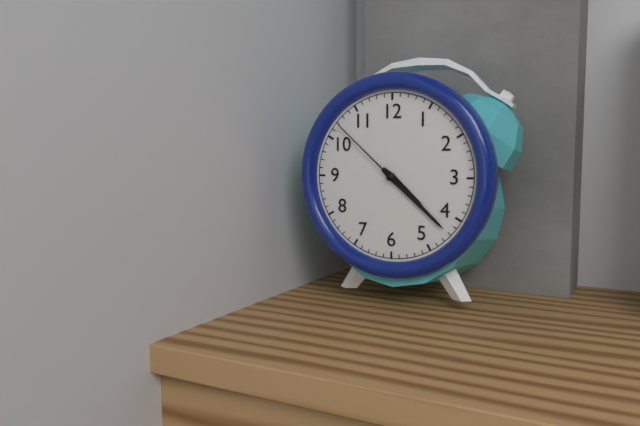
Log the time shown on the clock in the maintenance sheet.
4:22:52
